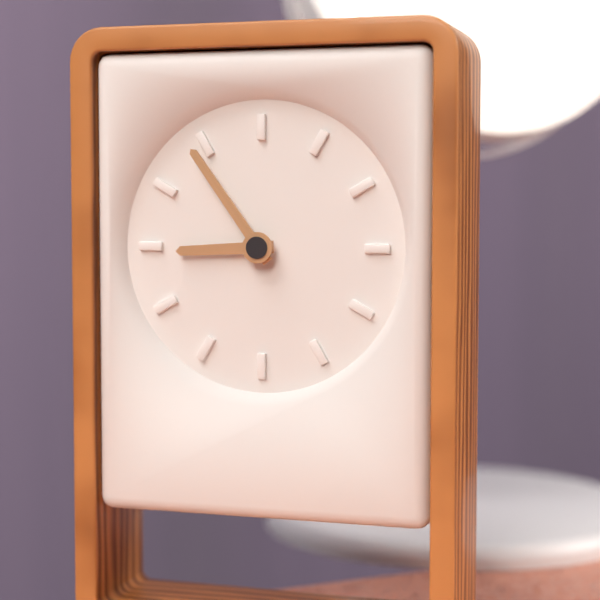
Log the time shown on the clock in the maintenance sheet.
8:54
